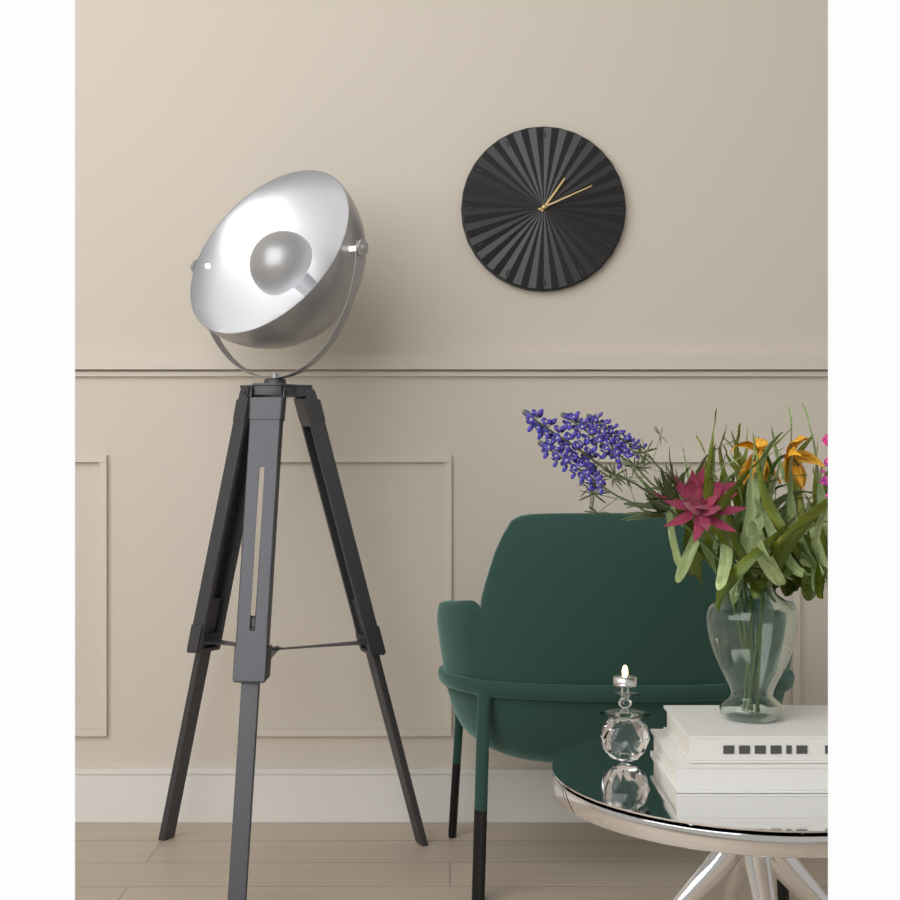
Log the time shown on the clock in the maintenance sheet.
1:11
